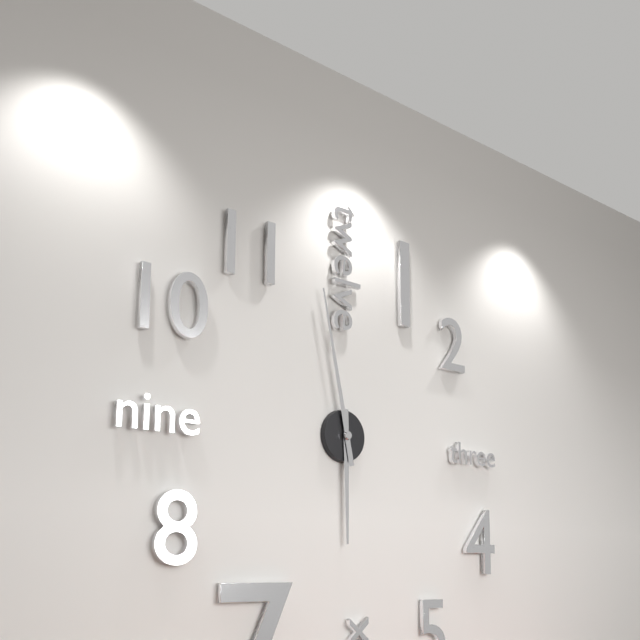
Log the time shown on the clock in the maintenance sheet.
5:58
